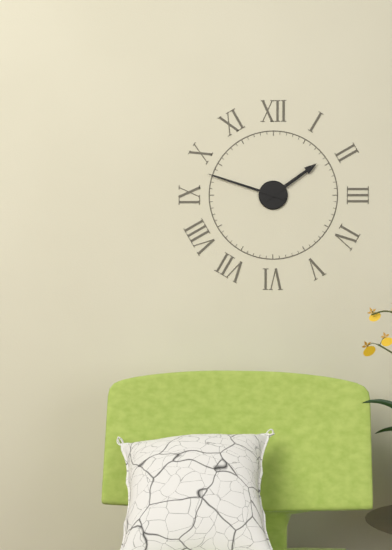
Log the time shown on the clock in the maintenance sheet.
1:48
